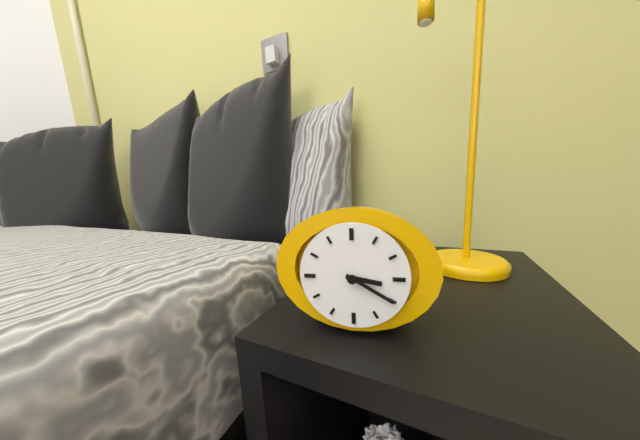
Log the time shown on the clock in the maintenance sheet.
3:20
